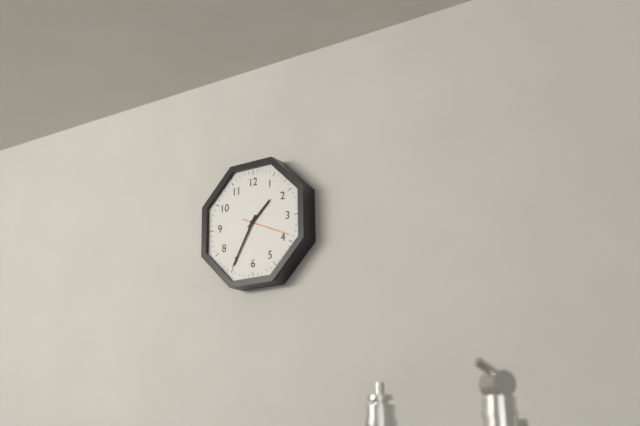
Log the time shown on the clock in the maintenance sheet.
1:35:19
